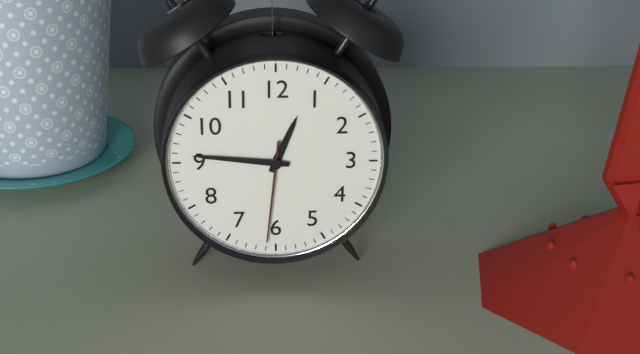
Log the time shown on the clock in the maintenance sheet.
12:46:31
